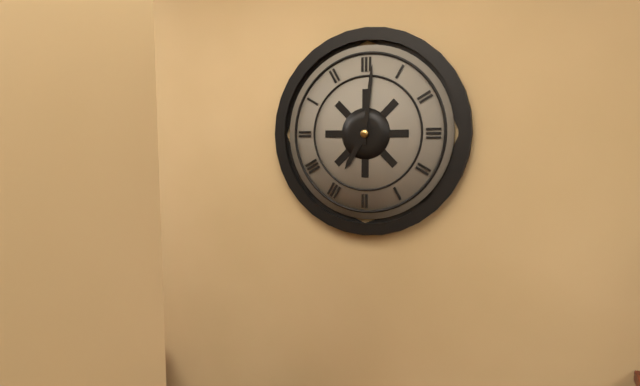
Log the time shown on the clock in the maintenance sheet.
7:01
